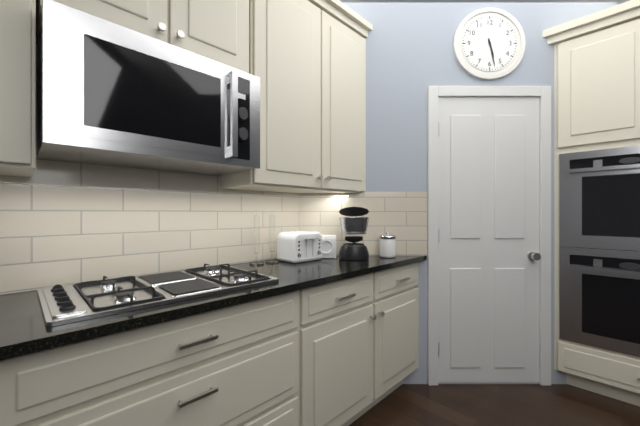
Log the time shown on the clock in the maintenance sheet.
5:28
